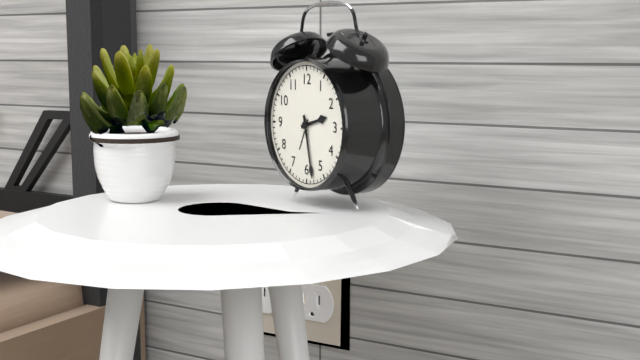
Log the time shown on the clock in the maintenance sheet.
2:28
